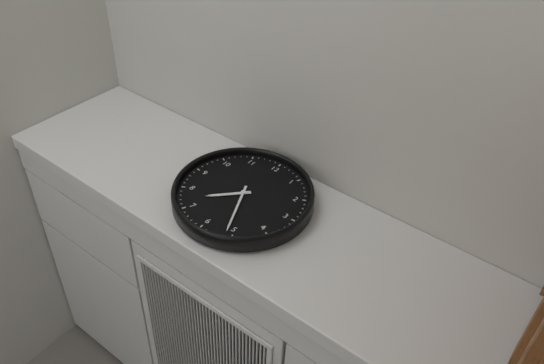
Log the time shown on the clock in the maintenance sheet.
7:26
